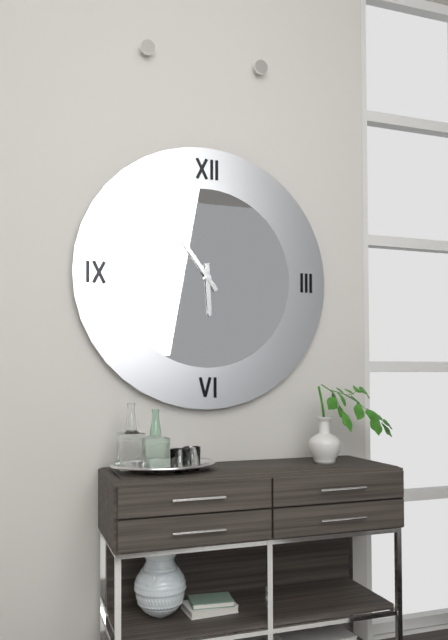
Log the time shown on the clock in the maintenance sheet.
5:54
